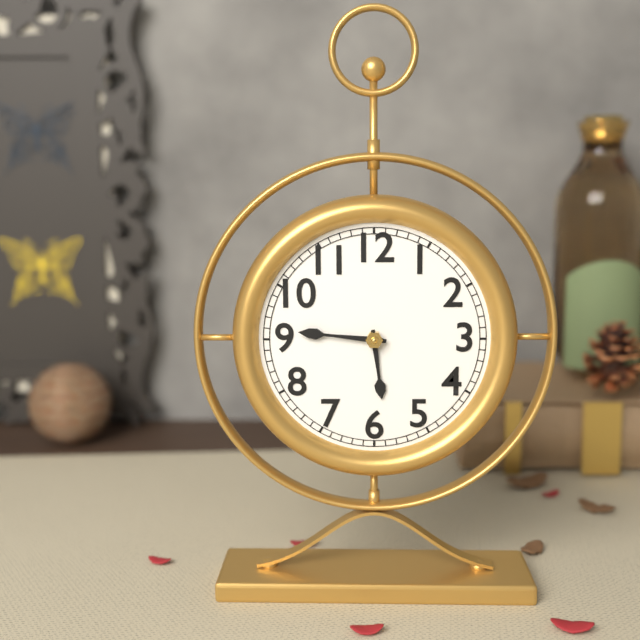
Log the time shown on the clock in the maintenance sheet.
5:46
